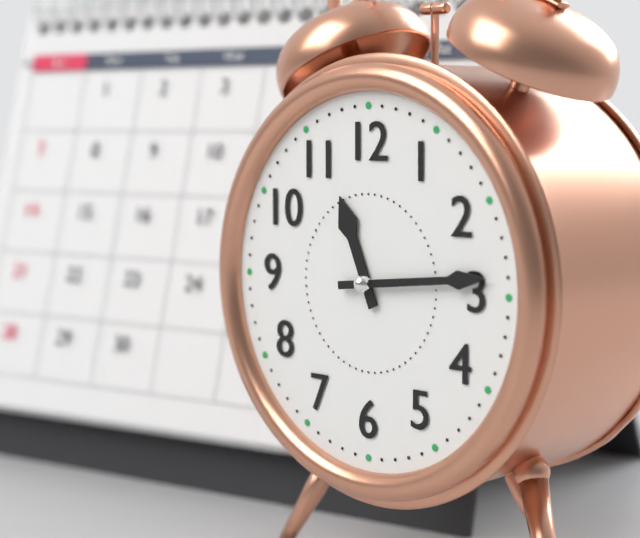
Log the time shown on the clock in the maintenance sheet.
11:14
